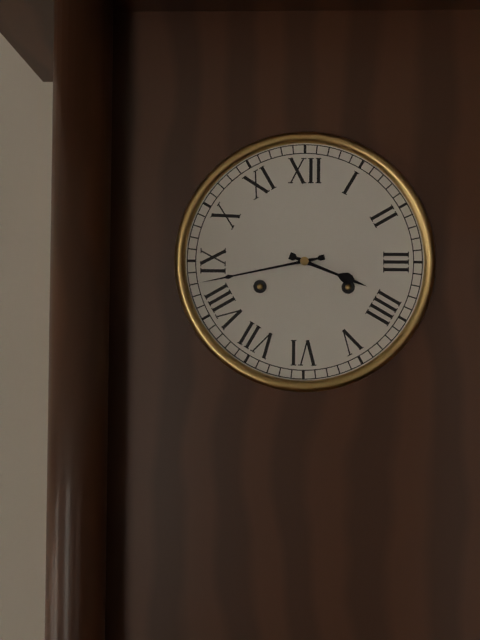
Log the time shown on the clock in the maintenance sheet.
3:43
